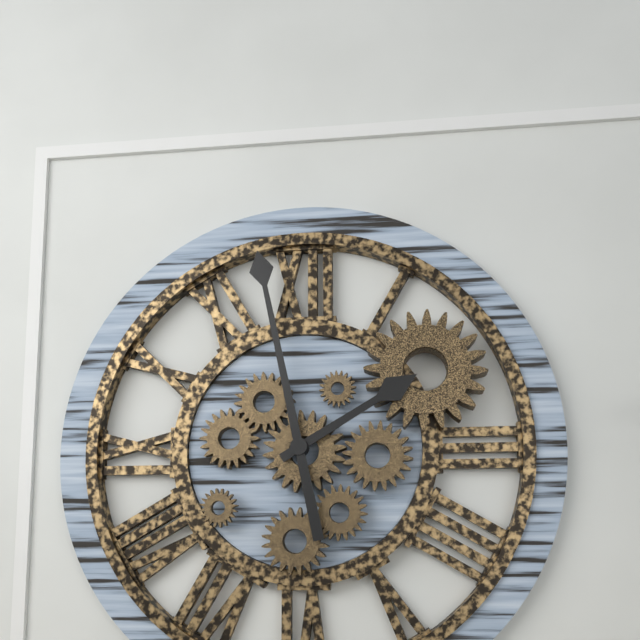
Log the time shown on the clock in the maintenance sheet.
1:58
